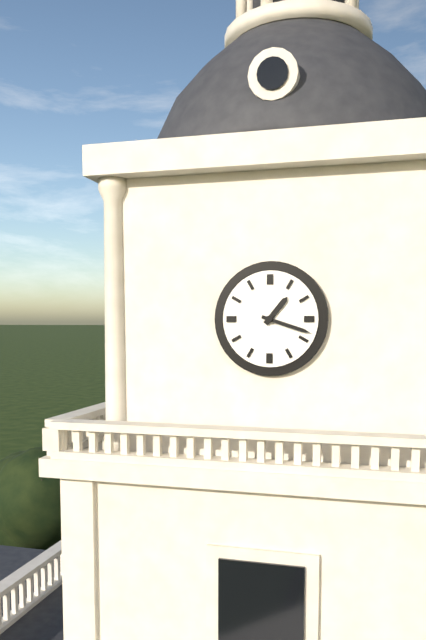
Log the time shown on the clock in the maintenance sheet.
1:18
